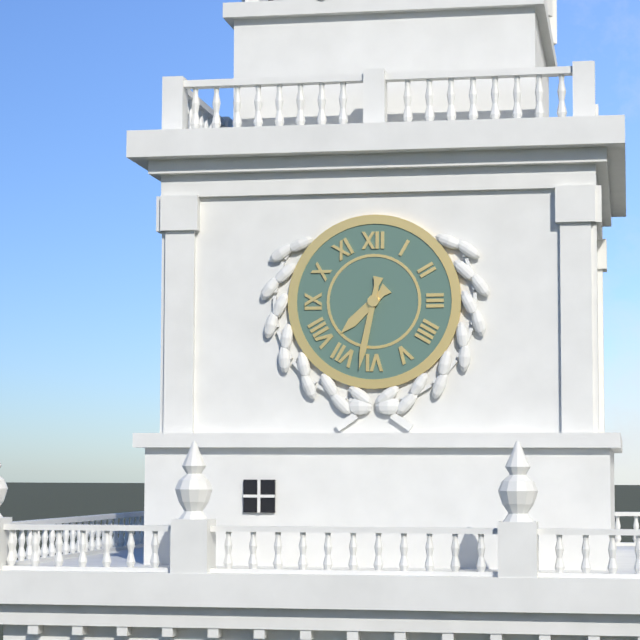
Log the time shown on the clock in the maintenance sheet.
7:32
